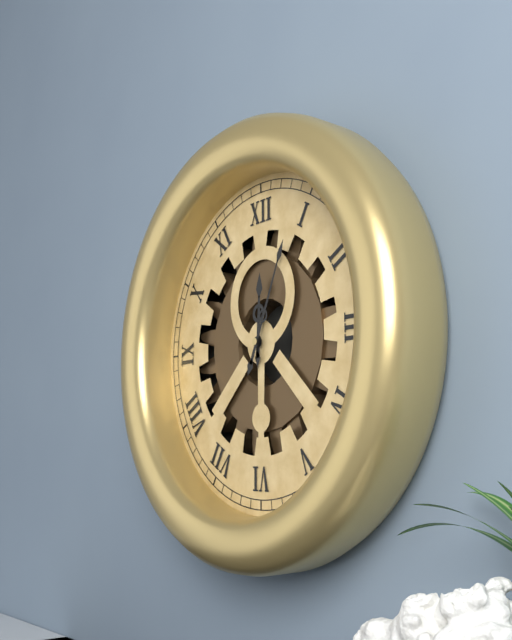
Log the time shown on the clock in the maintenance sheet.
12:04
